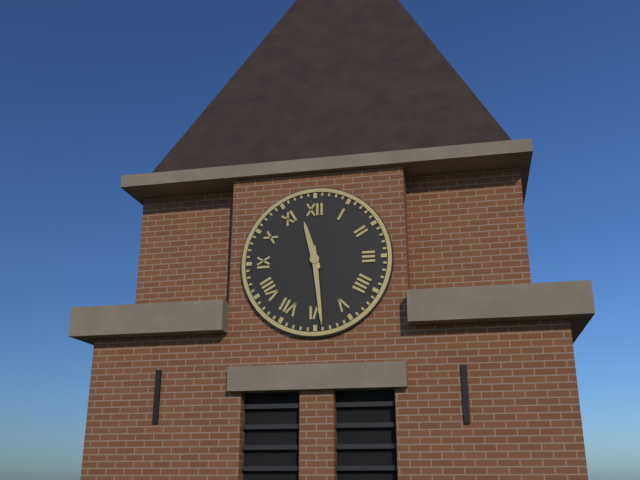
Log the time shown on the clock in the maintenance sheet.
11:29
